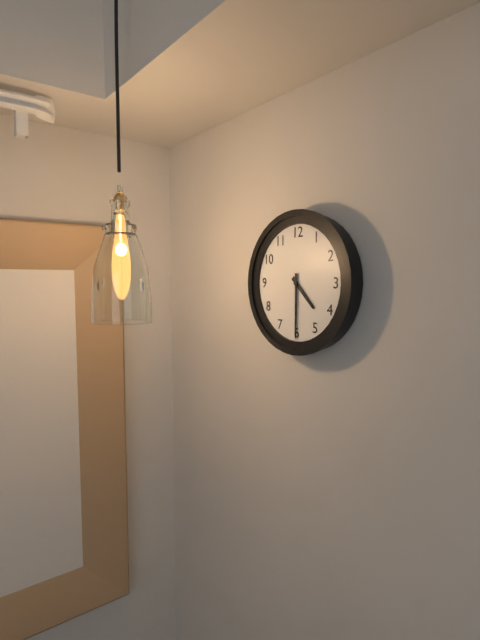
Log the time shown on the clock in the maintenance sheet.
4:30
